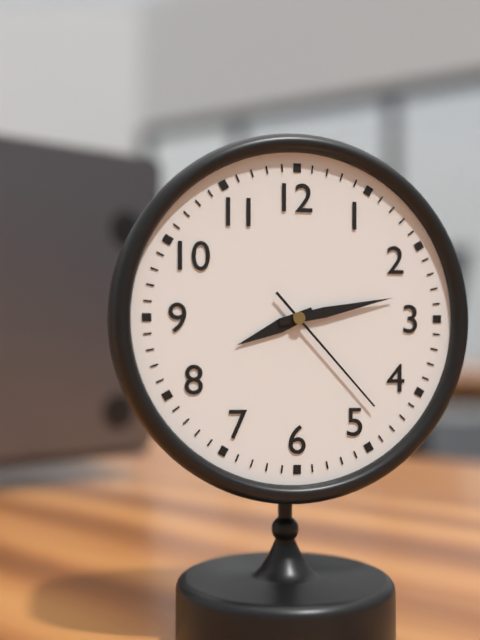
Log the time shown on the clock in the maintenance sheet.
8:13:23
